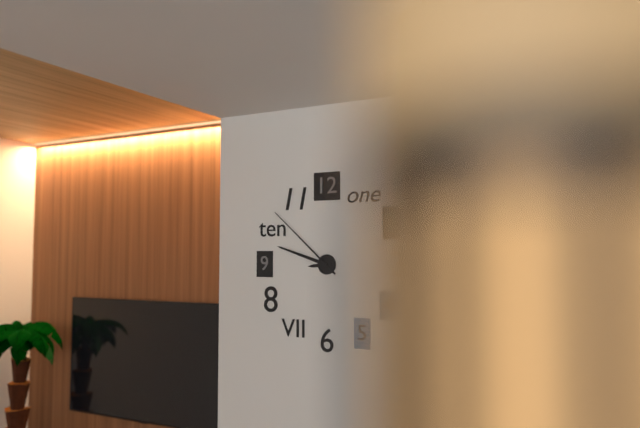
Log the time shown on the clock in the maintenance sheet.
8:48:52
